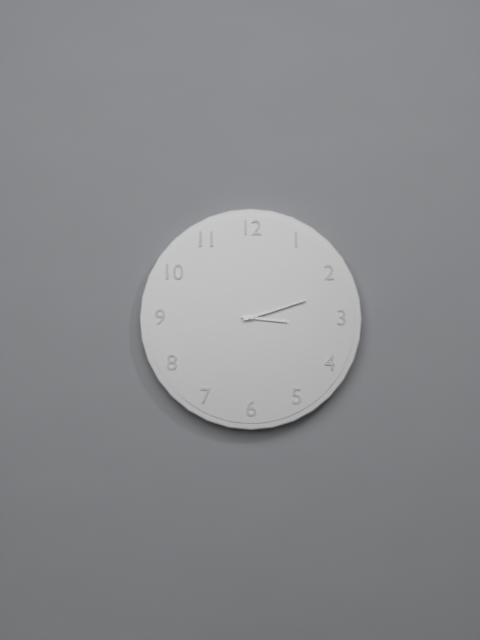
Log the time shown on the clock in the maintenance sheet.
3:12
